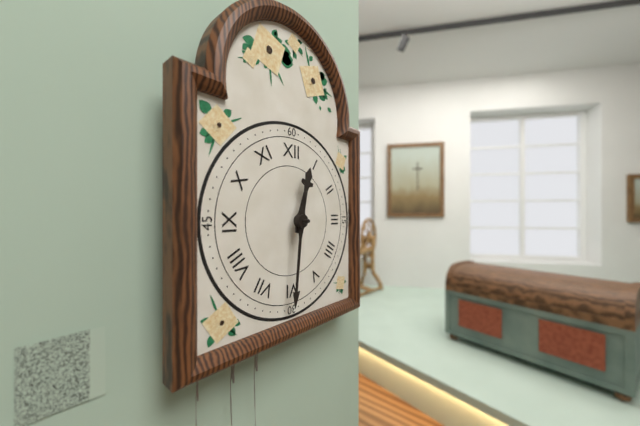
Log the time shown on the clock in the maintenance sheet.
12:31
